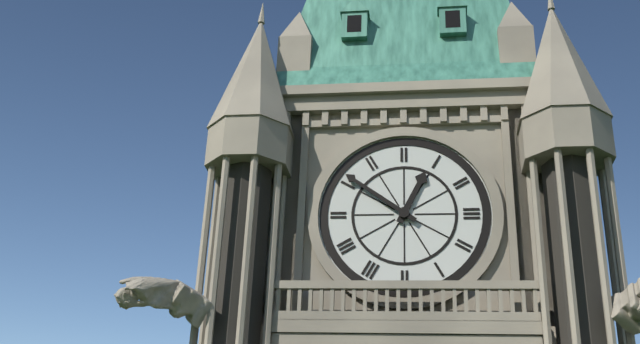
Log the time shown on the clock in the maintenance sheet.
12:51
